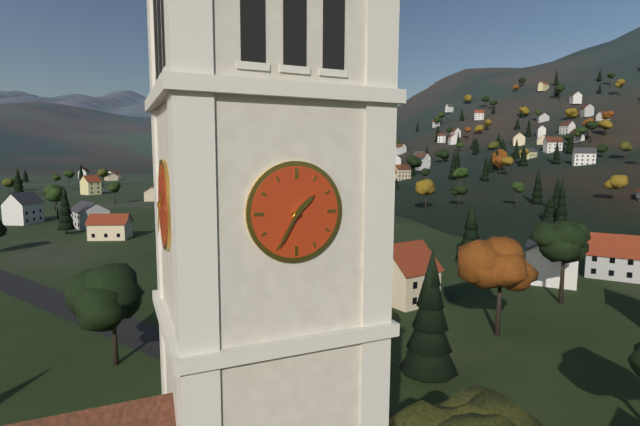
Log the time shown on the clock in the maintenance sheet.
1:35
